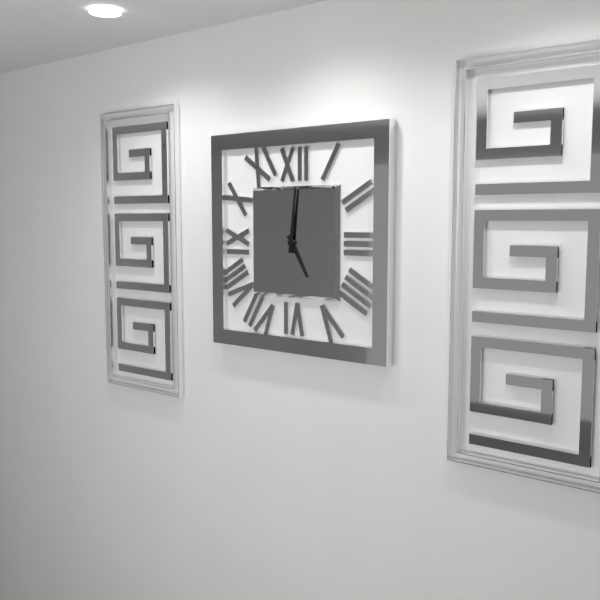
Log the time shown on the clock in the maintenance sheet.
5:01
